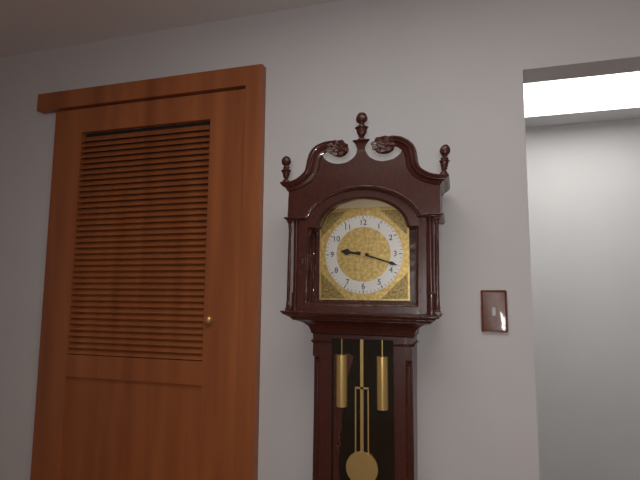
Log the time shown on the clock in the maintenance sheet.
9:18
